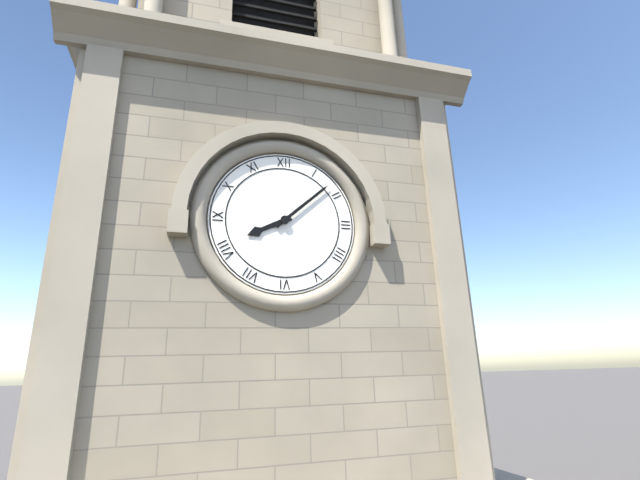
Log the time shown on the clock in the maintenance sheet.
8:08
